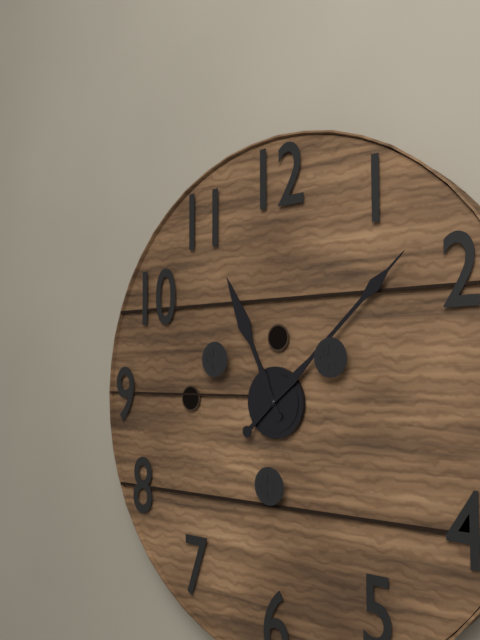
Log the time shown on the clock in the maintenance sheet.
11:08
